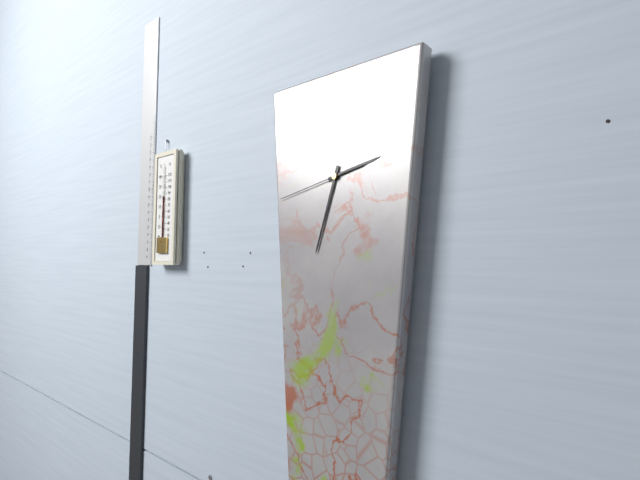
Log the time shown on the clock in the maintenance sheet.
2:33:43
